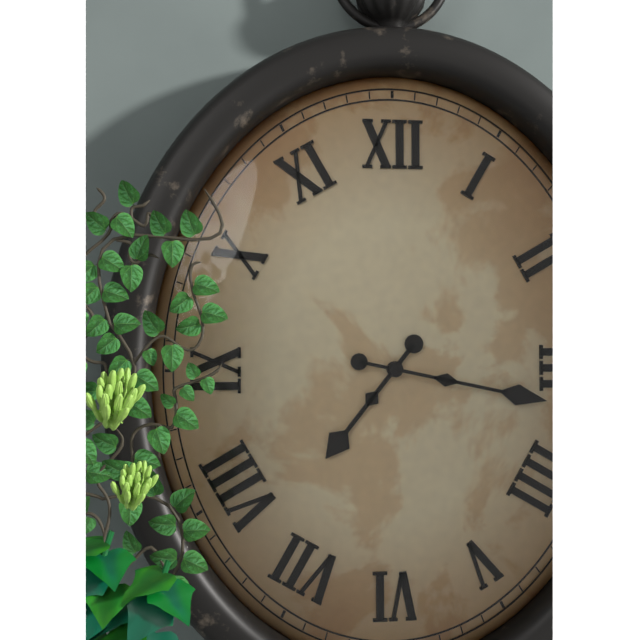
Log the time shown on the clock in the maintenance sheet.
7:17
